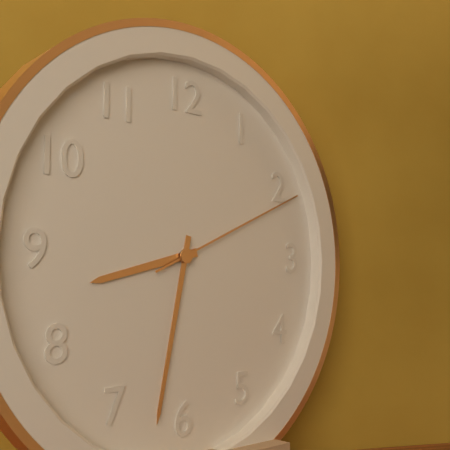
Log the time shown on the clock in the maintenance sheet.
8:32:11
